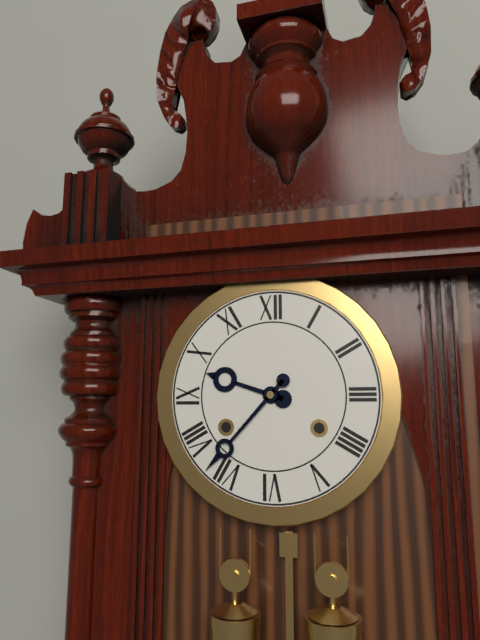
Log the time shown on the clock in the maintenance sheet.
9:37
